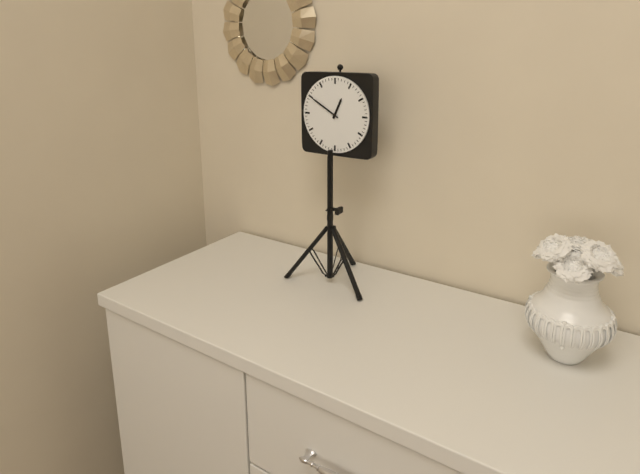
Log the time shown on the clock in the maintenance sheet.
12:50
